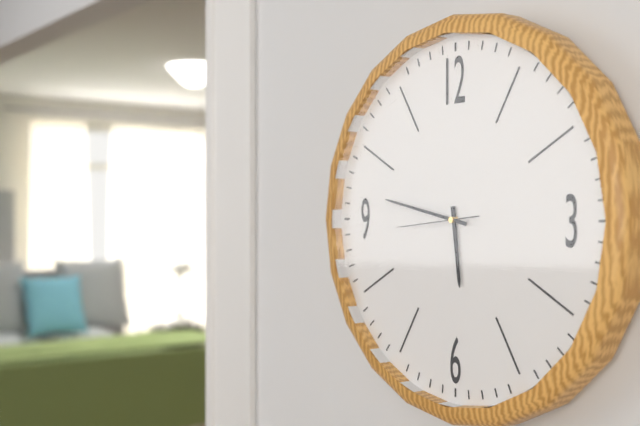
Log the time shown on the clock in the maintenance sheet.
5:47:44
